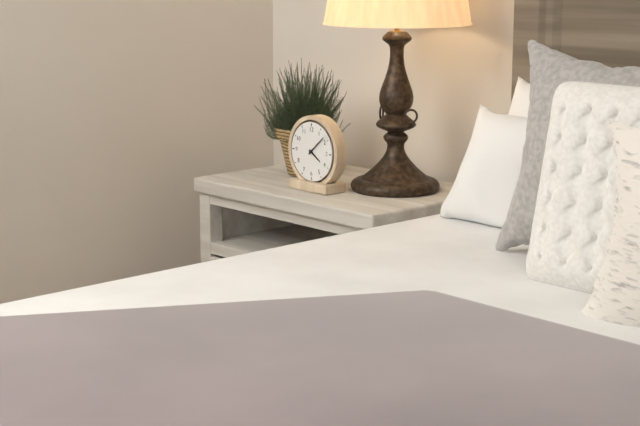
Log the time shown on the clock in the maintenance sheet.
4:08
